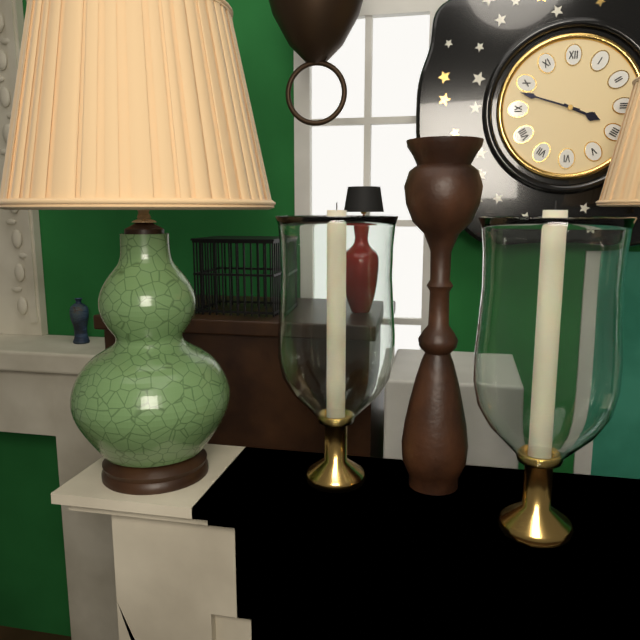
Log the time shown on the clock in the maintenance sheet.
3:48
